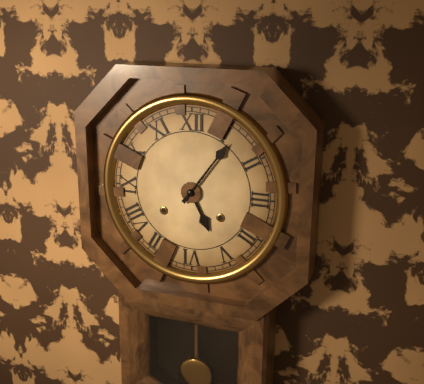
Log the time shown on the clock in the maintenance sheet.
5:06
